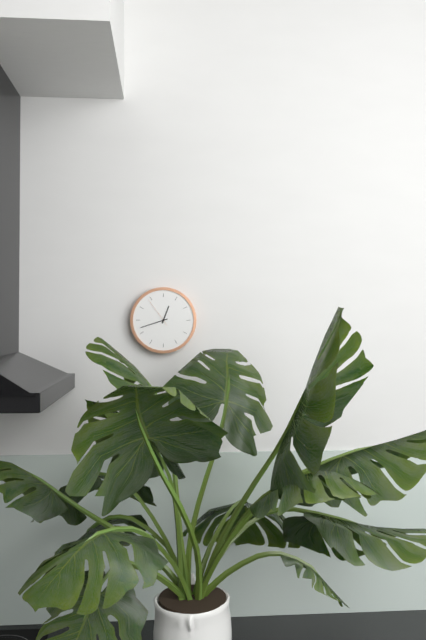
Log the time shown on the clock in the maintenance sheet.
12:42
